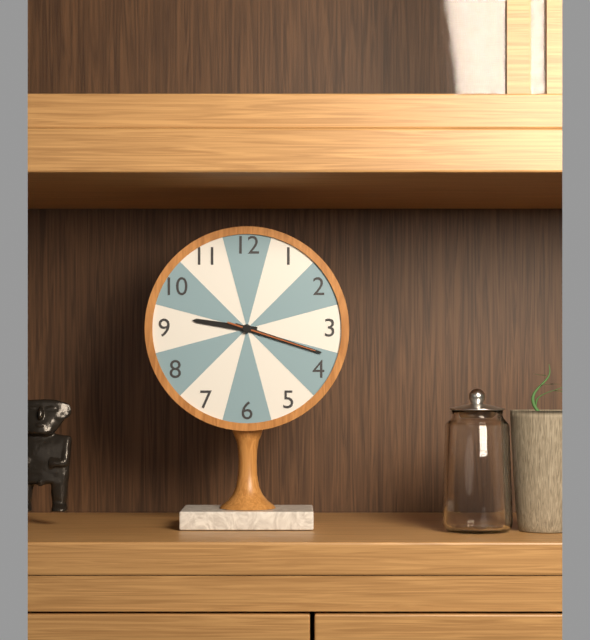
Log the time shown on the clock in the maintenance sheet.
9:18:18
